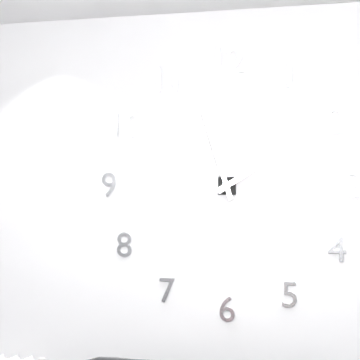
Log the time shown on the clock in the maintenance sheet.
1:57
